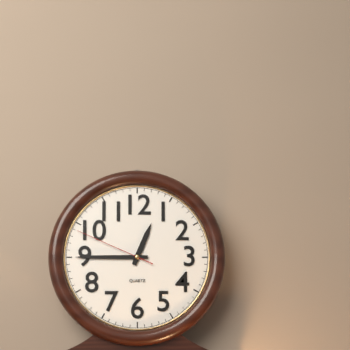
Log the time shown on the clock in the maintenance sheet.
12:45:49
